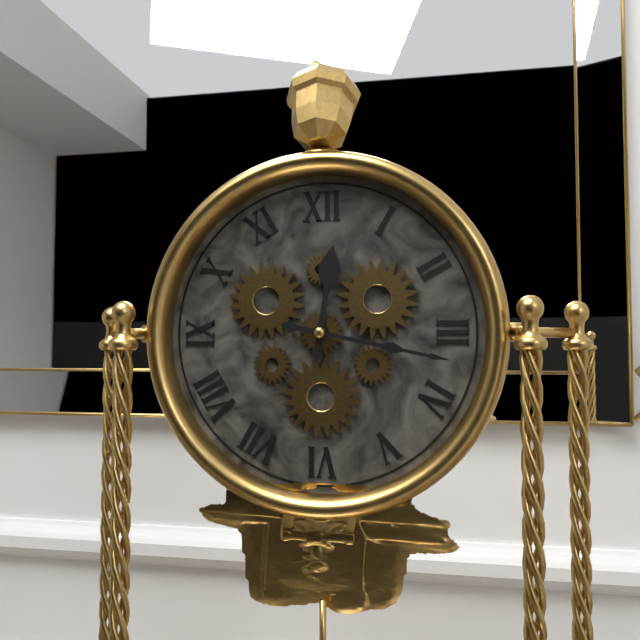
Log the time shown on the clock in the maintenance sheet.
12:17
